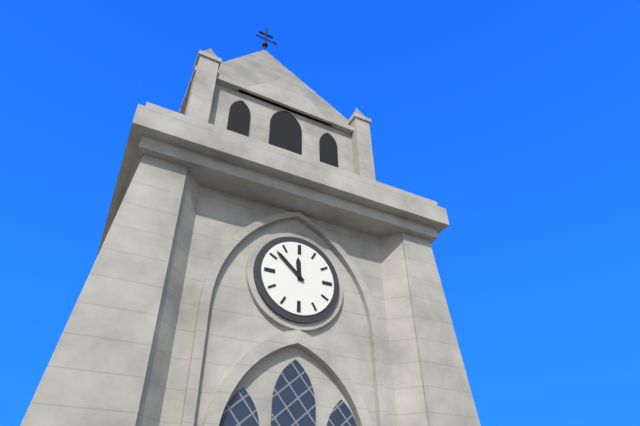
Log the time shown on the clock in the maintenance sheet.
11:52
